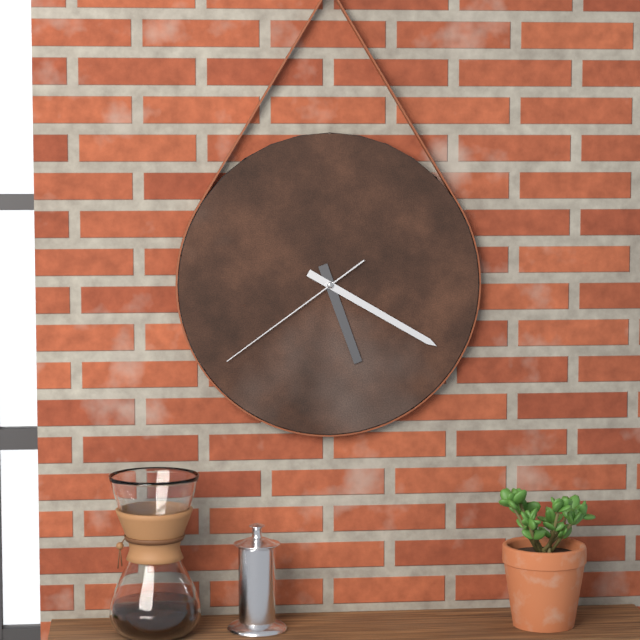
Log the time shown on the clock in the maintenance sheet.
5:20:39
